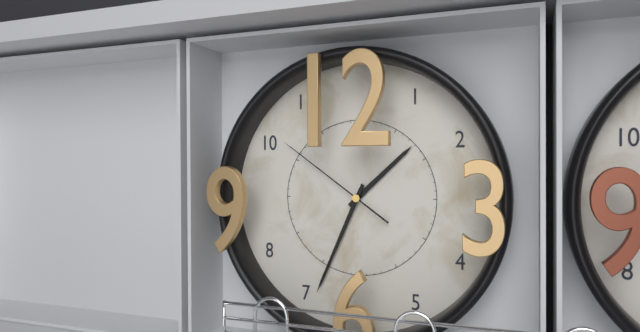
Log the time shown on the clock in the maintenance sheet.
1:34:51
